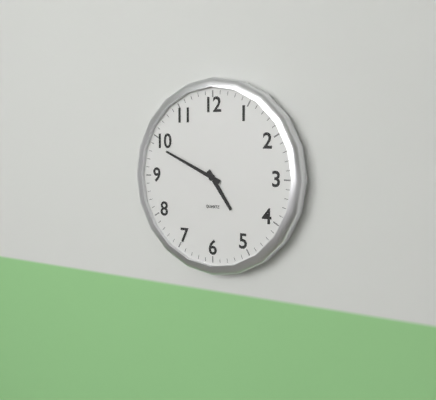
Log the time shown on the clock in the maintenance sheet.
4:49
